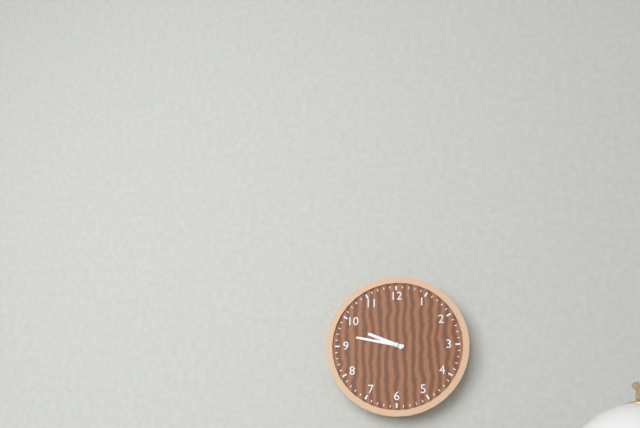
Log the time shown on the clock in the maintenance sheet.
9:47
